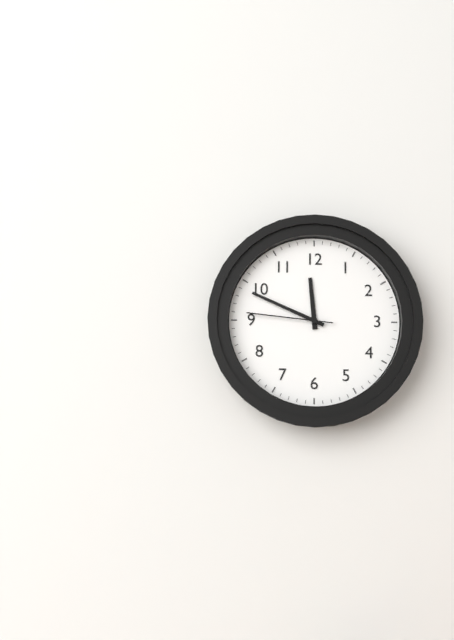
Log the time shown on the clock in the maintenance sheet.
11:49:46
